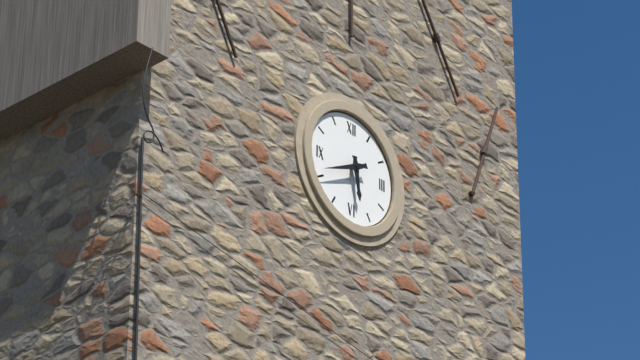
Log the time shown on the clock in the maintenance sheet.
5:41
